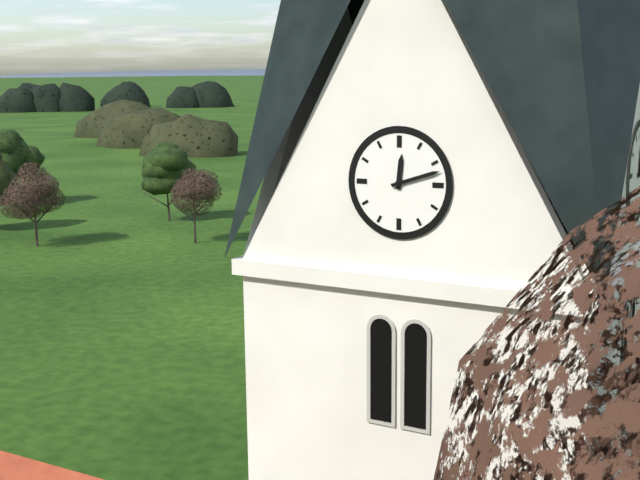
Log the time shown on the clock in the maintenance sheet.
12:12
